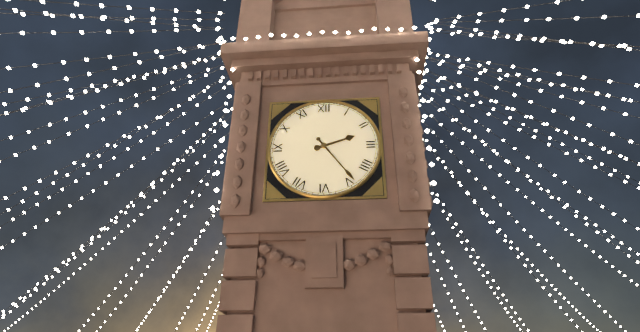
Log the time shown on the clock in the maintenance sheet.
2:24
